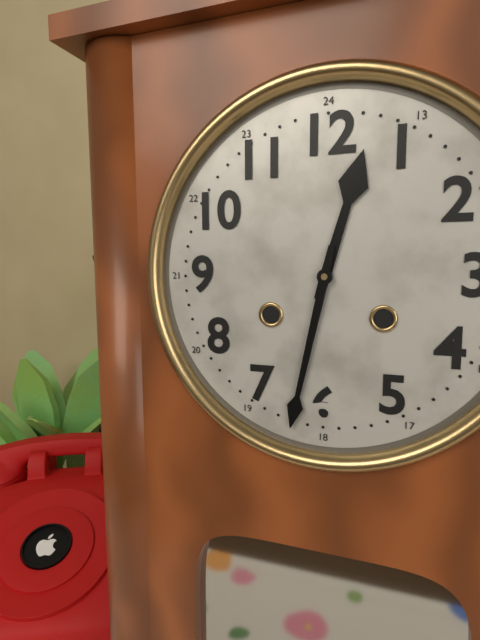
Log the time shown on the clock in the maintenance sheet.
12:32
